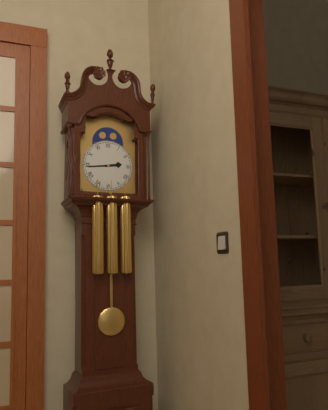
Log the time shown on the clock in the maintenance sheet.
2:44
